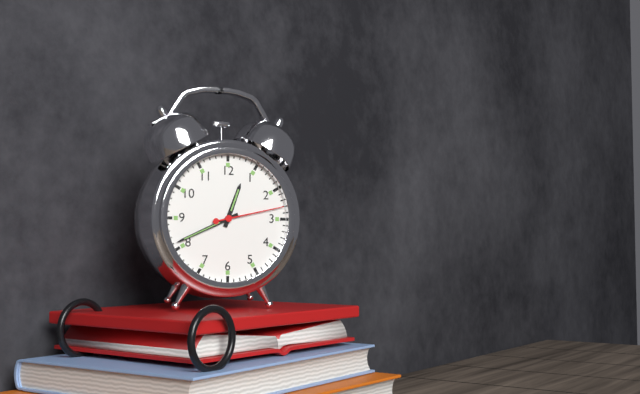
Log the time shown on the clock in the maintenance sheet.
12:41:13
